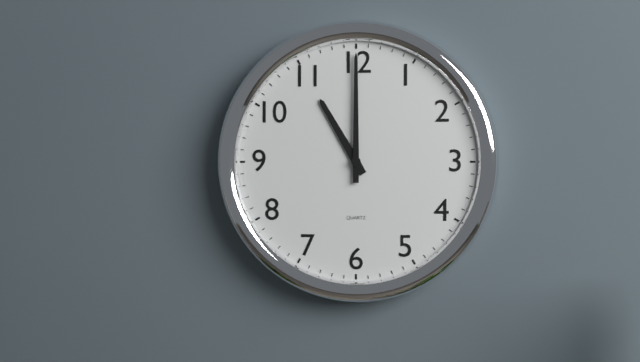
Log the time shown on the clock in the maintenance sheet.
11:00
